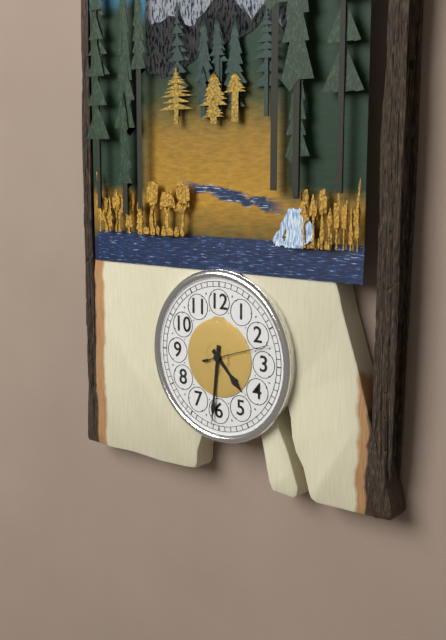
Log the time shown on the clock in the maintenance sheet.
4:31:12
